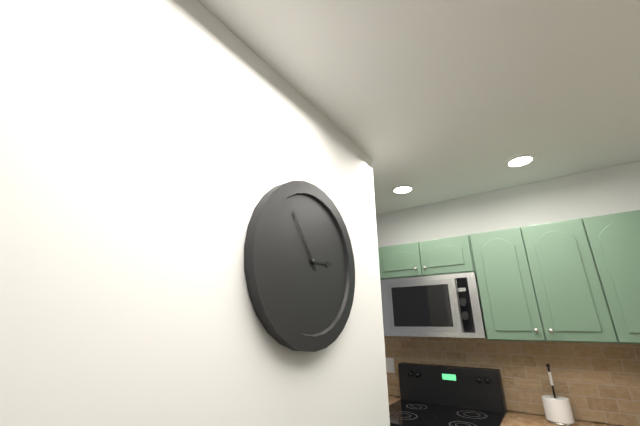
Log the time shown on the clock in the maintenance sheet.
2:54
